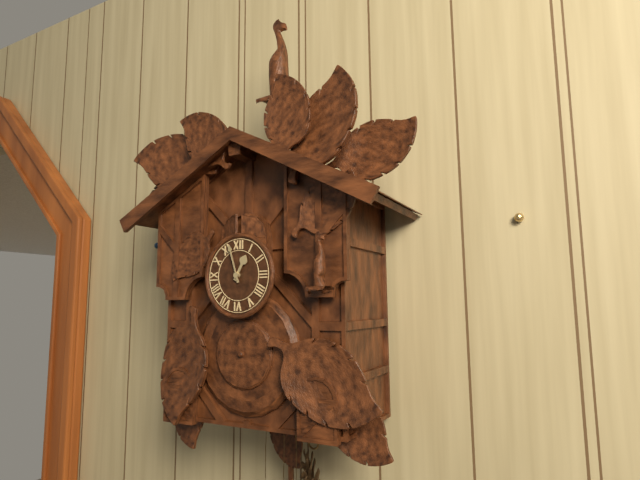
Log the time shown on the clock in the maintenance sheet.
12:57
